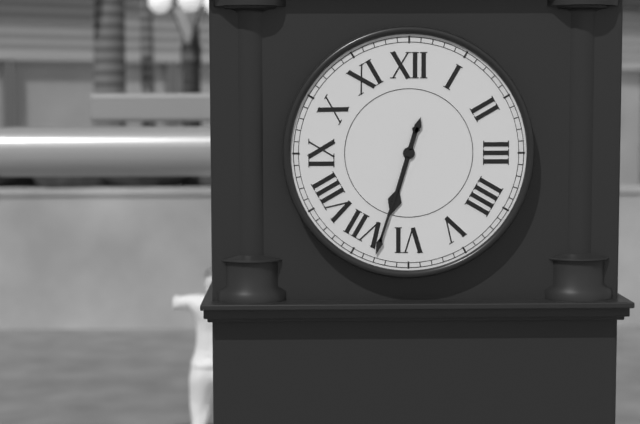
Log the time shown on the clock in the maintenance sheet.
6:33
